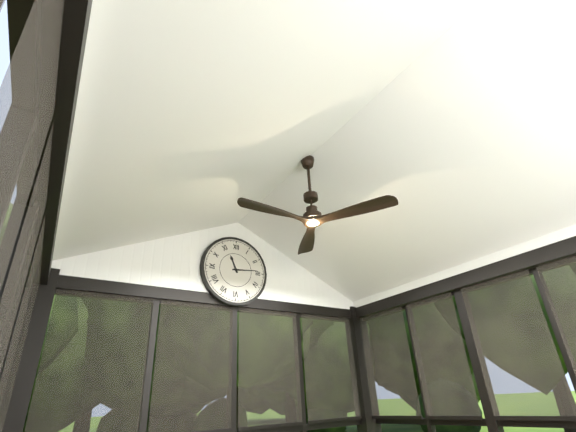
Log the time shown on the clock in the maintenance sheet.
11:14
